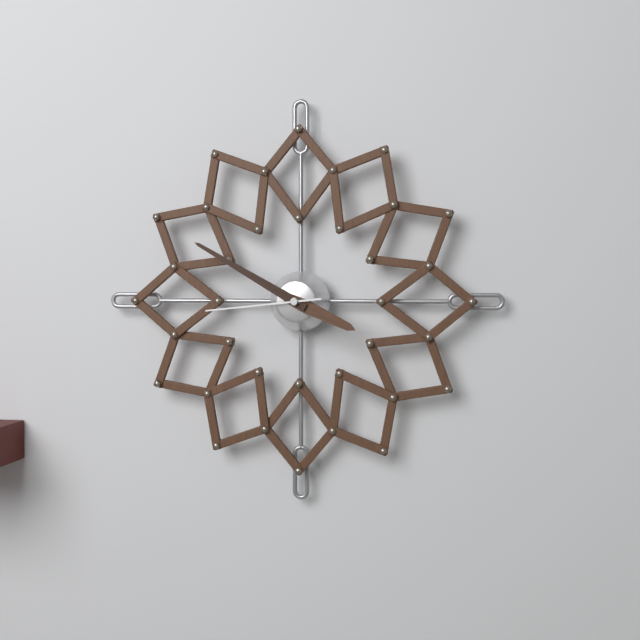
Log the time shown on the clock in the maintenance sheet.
3:50:44
